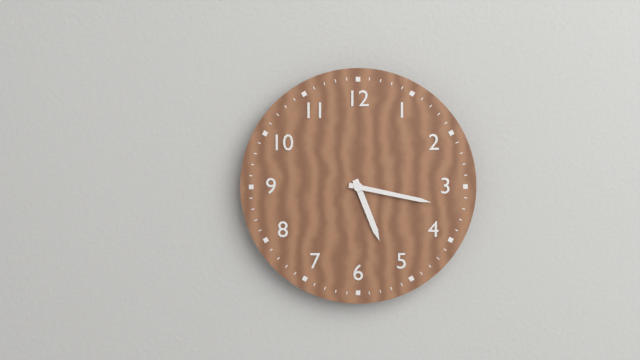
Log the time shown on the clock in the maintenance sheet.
5:17
